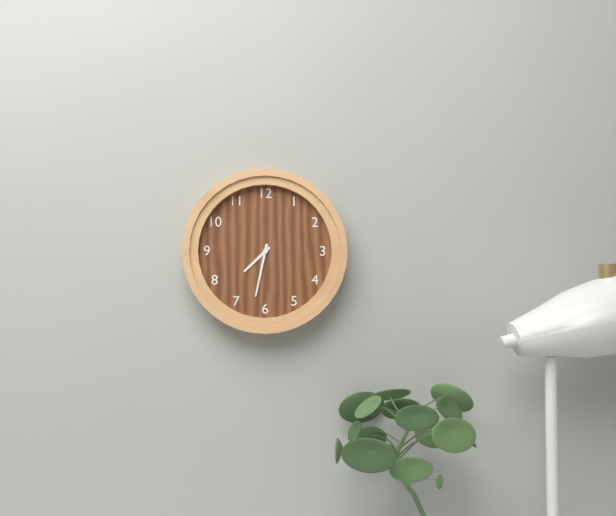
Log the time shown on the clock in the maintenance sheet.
7:32
